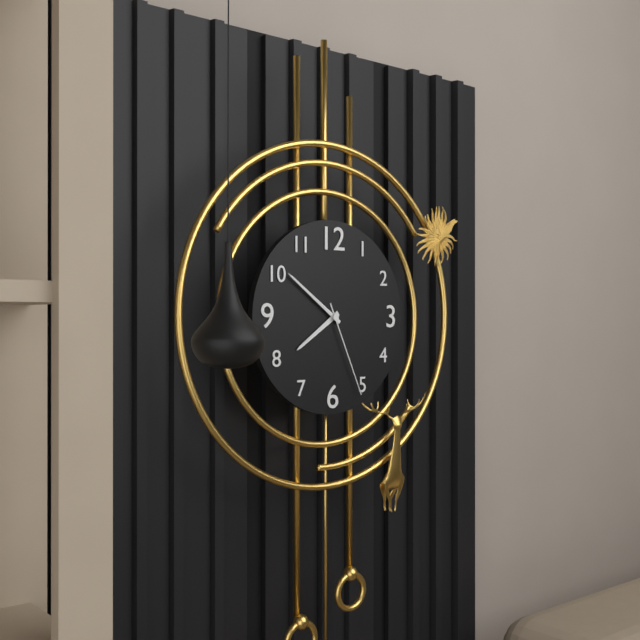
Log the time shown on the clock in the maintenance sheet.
7:51:26
